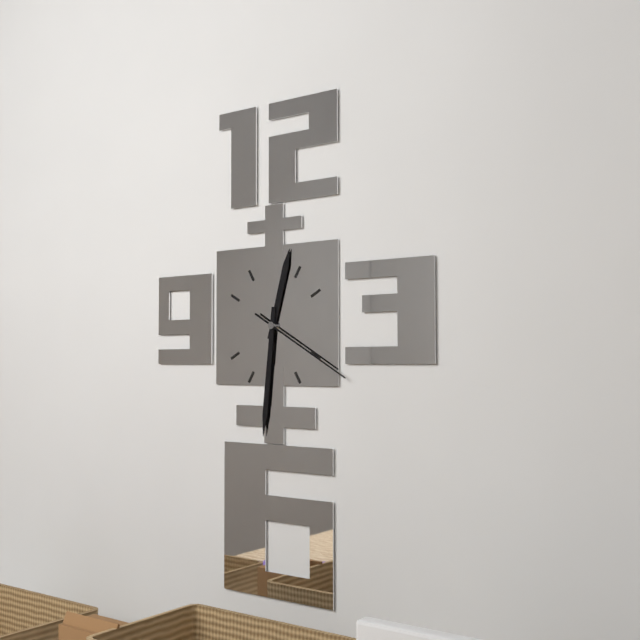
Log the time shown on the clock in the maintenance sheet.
12:31:20
